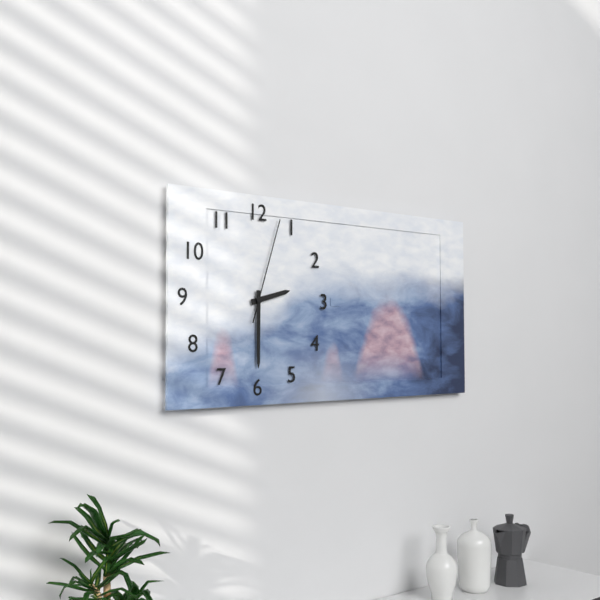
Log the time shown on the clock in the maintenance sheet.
2:30:03
